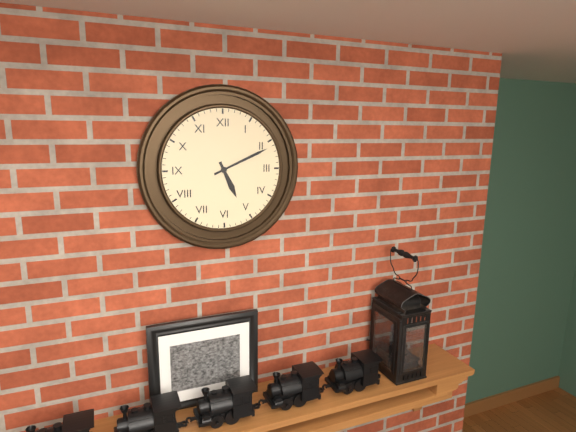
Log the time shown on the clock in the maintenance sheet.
5:11
